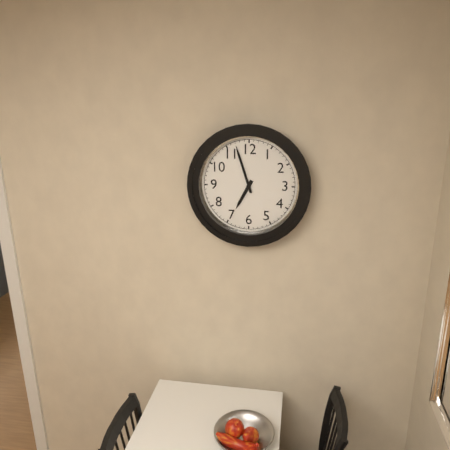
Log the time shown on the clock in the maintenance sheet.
6:57
